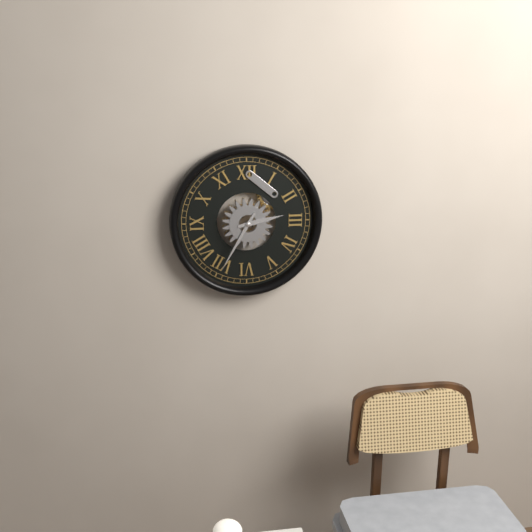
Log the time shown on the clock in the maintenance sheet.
2:35
